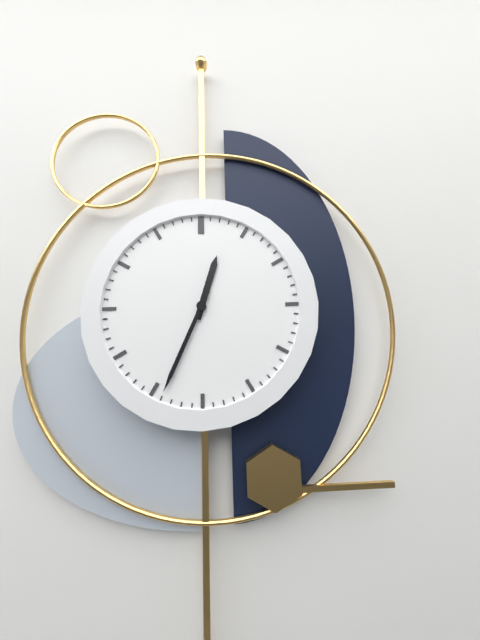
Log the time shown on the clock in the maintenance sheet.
12:34
